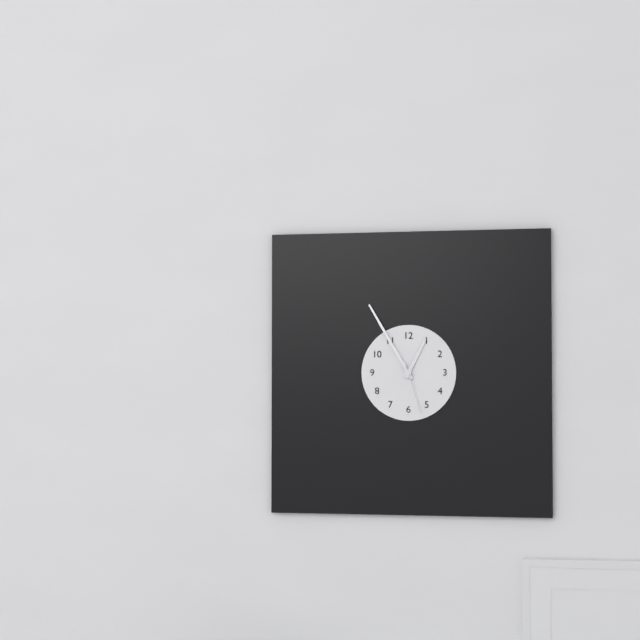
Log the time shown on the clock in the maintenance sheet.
12:55:27
